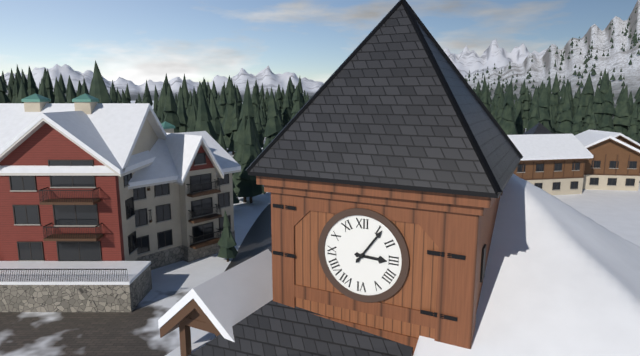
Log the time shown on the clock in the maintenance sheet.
3:06
